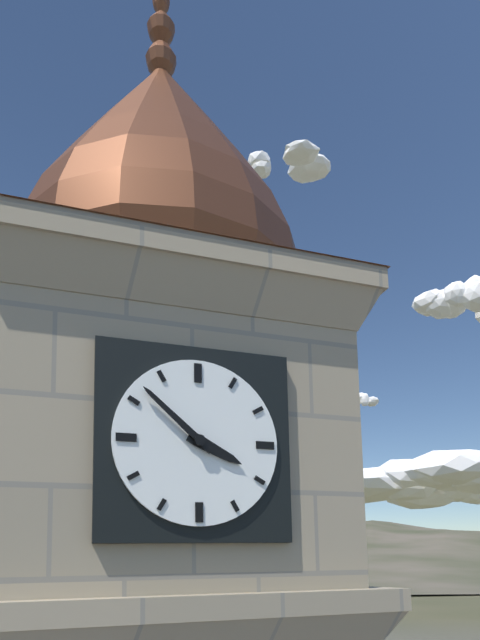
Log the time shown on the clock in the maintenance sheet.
3:52
